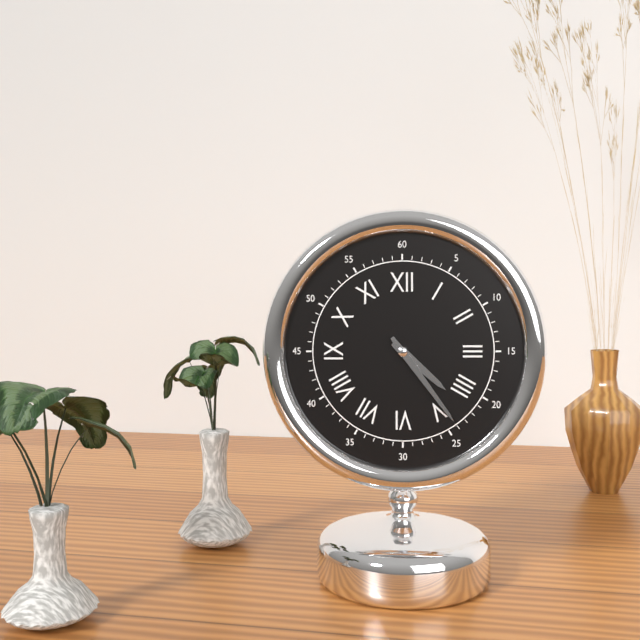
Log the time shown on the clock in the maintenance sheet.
4:24
